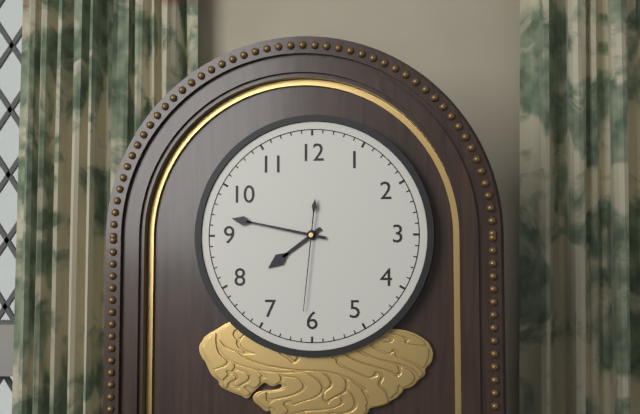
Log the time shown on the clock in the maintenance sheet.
7:47:31
